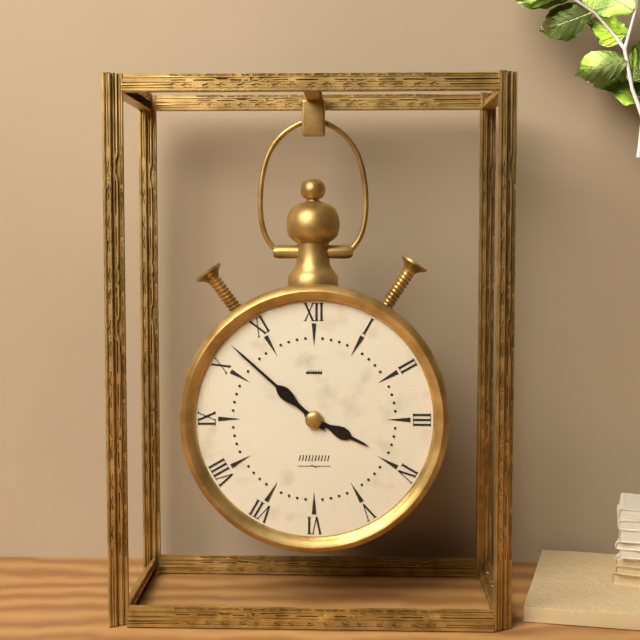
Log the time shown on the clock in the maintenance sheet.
3:52
